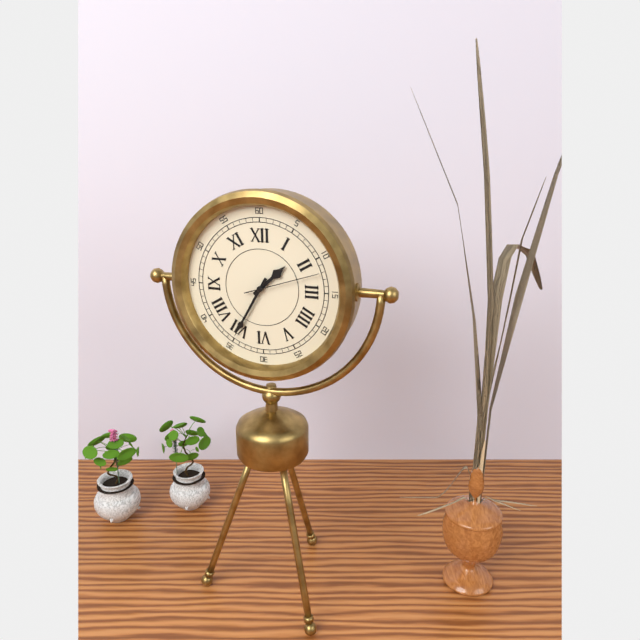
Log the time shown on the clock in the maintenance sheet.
1:35:12
